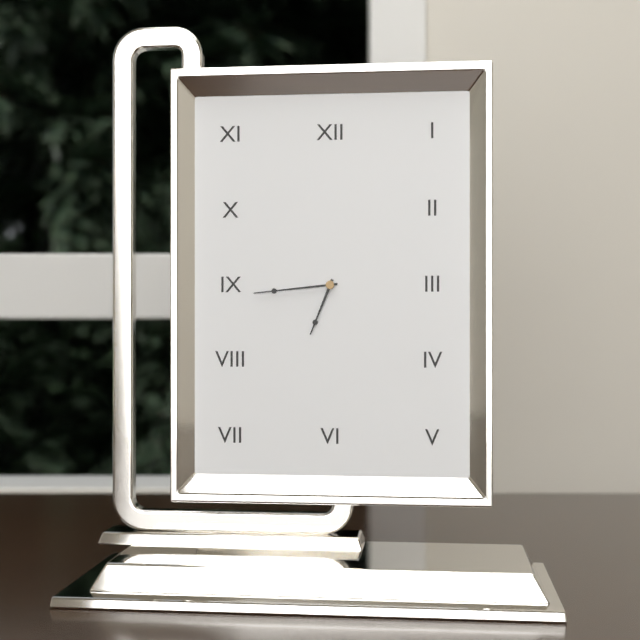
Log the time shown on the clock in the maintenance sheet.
6:44
